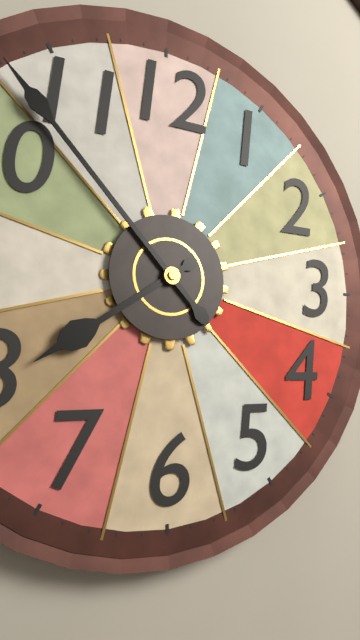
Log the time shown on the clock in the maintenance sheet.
7:53
